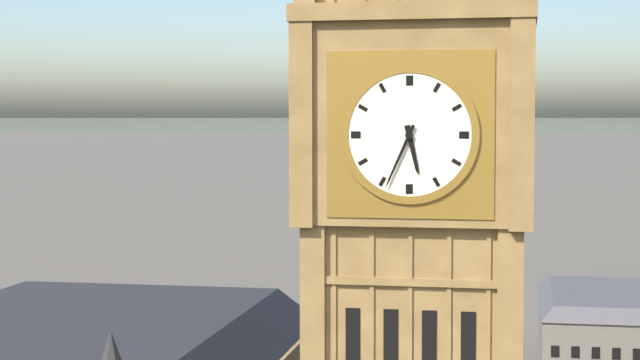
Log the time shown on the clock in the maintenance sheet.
5:34
